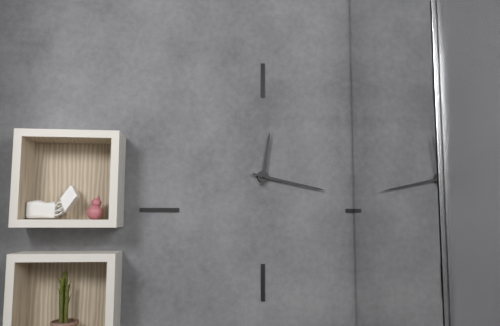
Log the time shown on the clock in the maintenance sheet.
12:17
